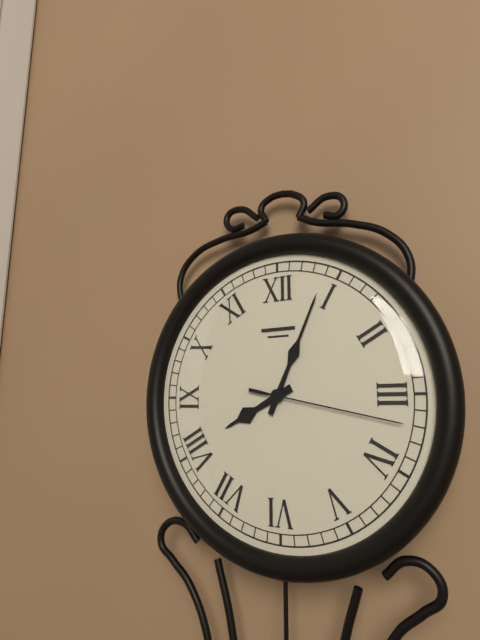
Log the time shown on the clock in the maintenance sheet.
8:04:17
